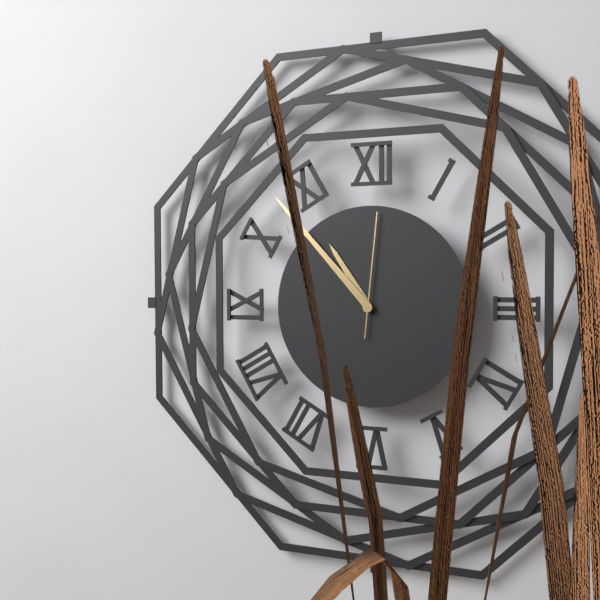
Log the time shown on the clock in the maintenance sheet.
10:53:01
